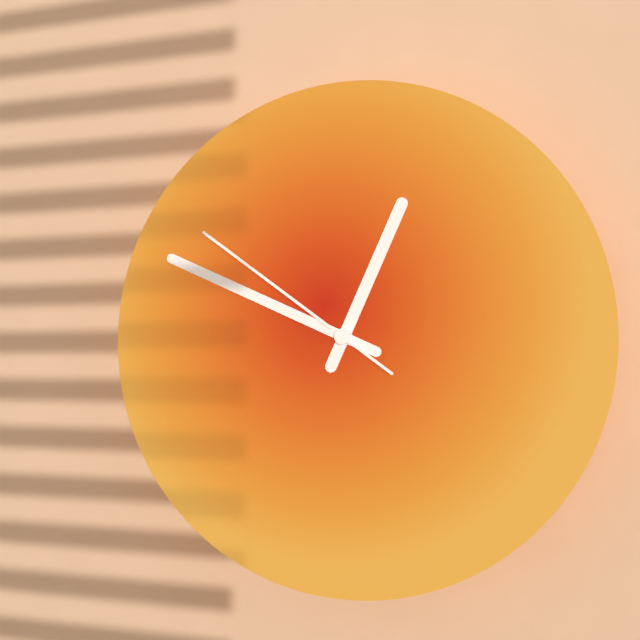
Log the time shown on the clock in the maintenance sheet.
12:49:51
